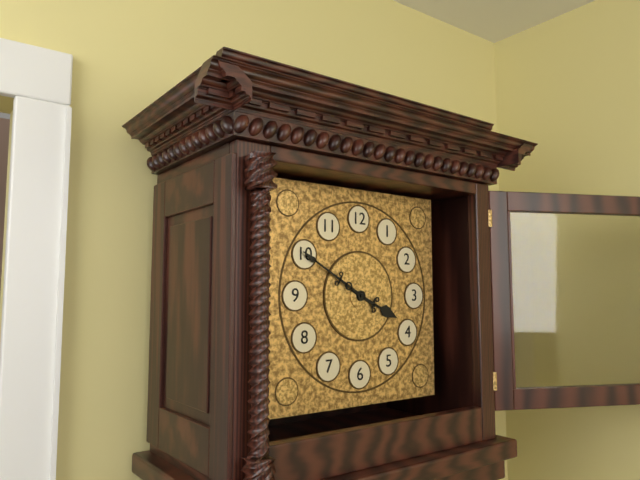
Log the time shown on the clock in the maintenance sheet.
3:50
